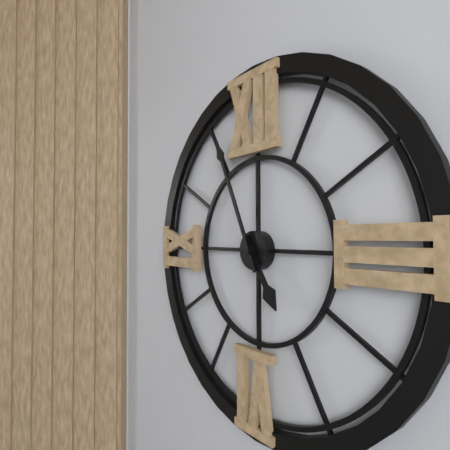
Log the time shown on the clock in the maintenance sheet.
4:56
